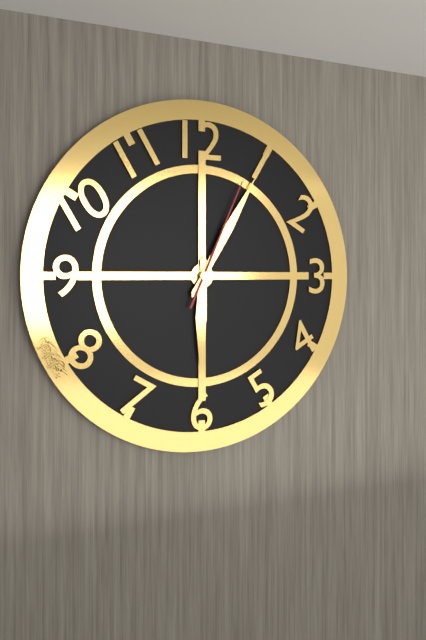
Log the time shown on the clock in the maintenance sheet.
6:05:04
